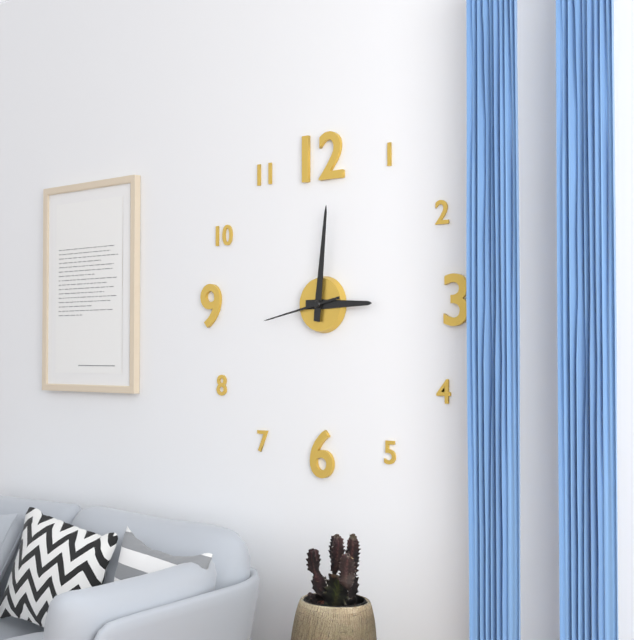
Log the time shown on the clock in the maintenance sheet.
3:01:43
